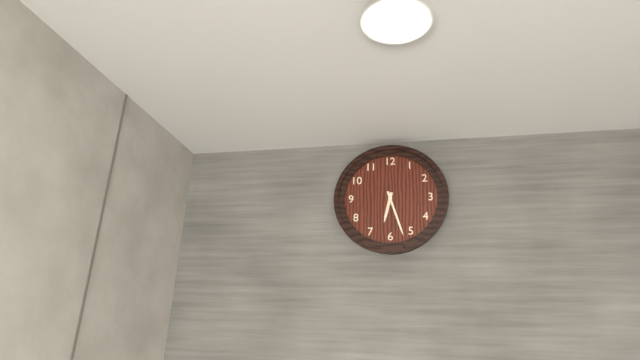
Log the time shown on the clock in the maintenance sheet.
6:27
